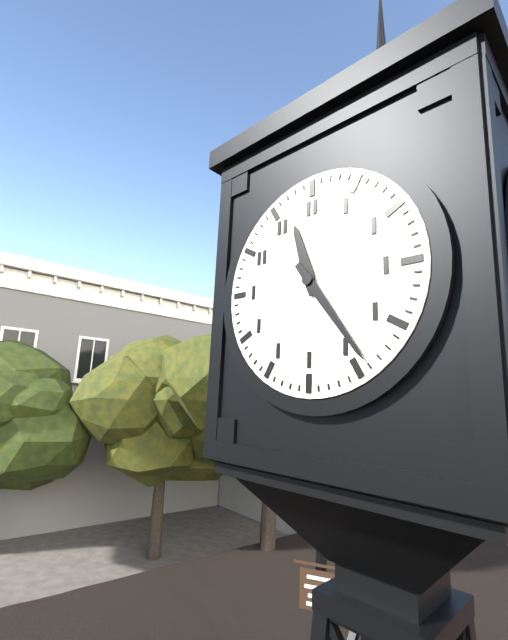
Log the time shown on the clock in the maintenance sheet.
11:24
